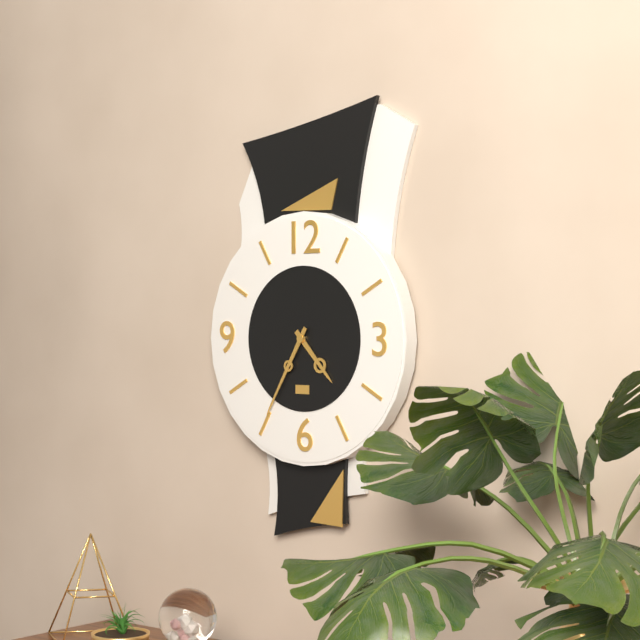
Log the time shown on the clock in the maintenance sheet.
4:35
